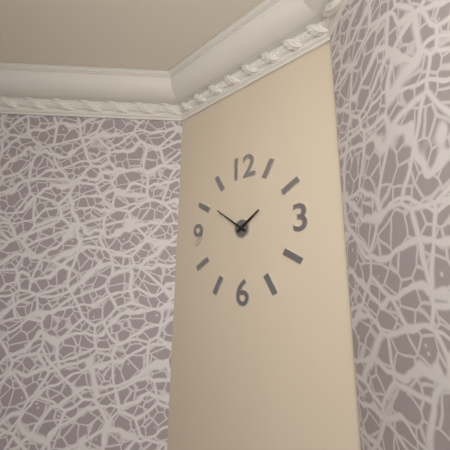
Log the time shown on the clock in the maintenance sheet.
1:51
